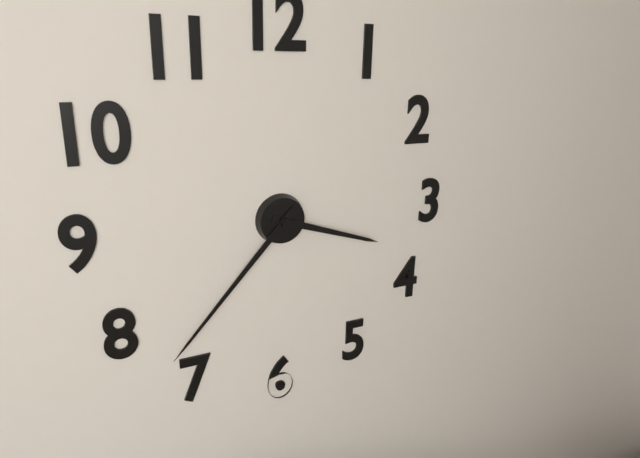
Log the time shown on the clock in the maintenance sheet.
3:37
